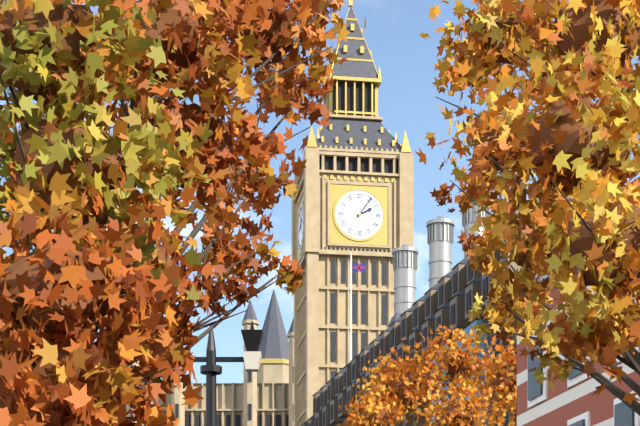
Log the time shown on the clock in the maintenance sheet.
2:06
